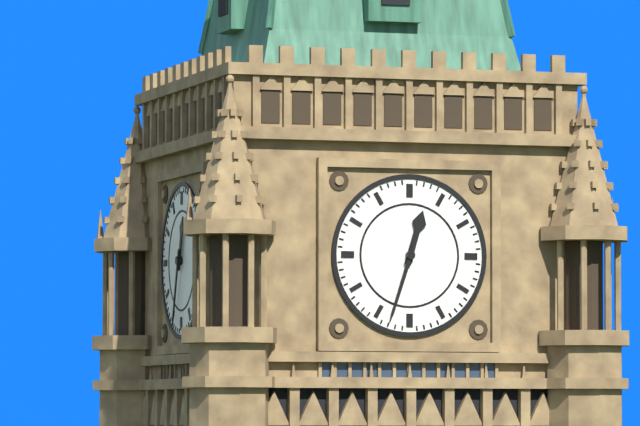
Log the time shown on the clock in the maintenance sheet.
12:33
